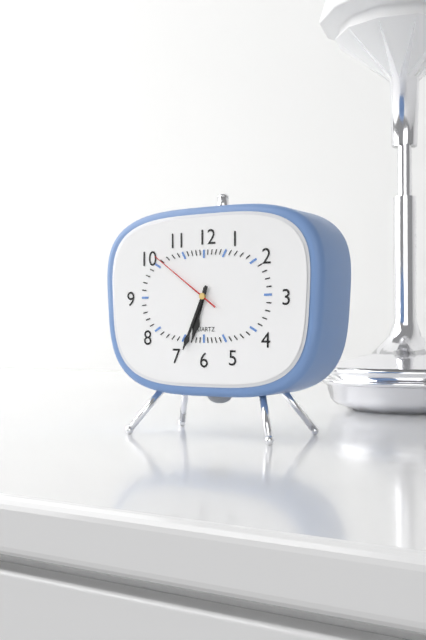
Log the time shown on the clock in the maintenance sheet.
6:34:51
